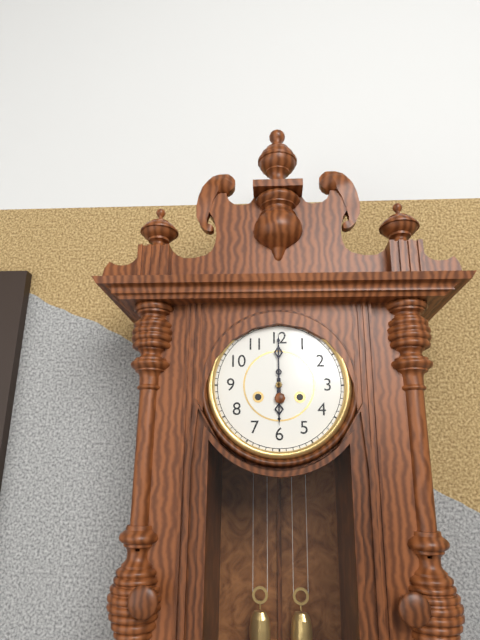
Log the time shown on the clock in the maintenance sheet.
6:00
